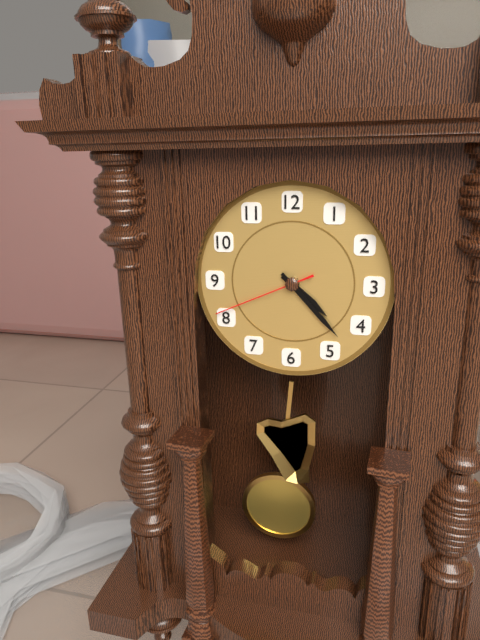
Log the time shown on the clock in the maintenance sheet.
4:23:41
